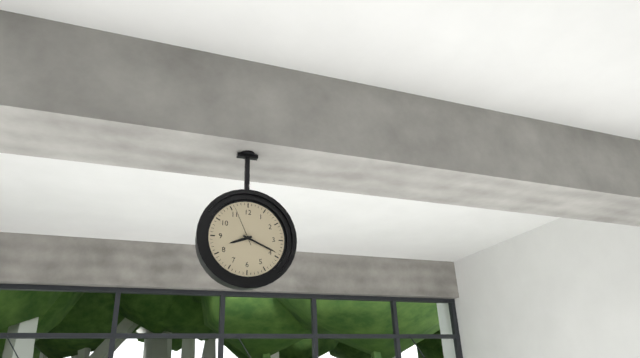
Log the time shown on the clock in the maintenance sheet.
8:19
